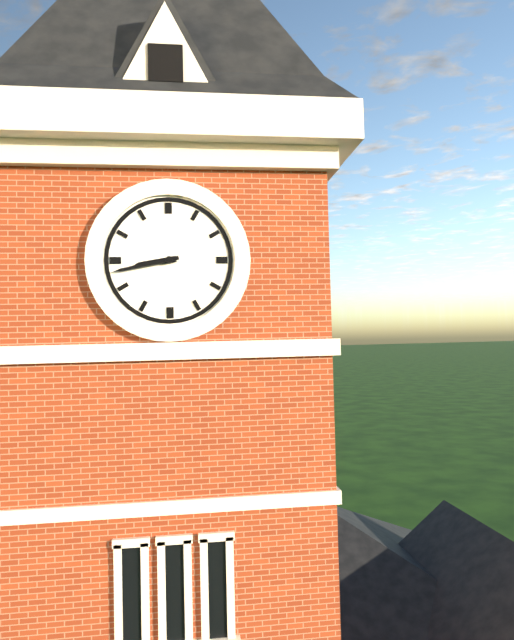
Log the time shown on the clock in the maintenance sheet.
8:43
